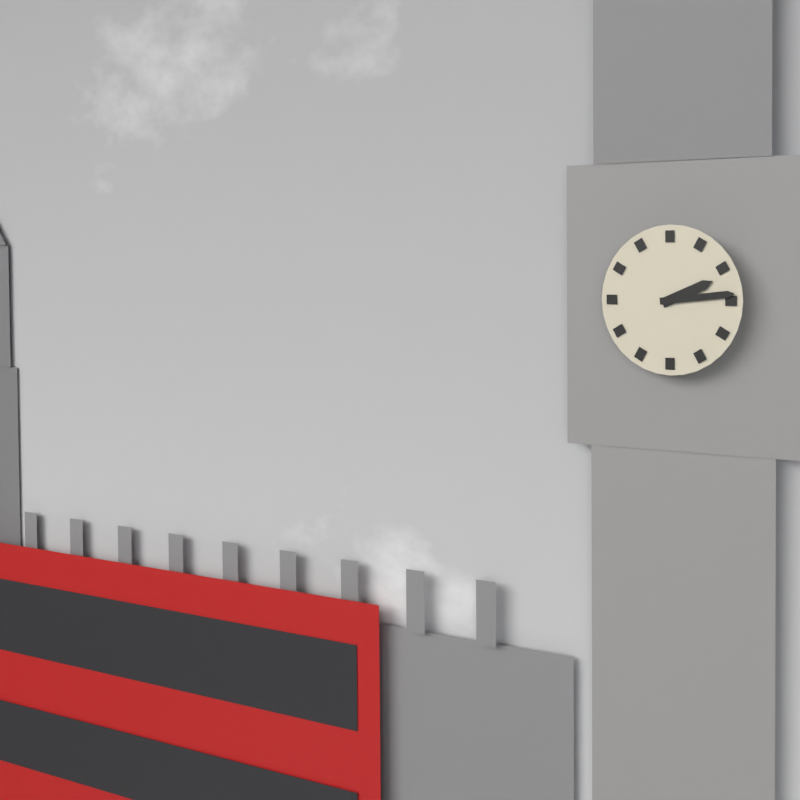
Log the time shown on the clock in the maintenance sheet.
2:14
